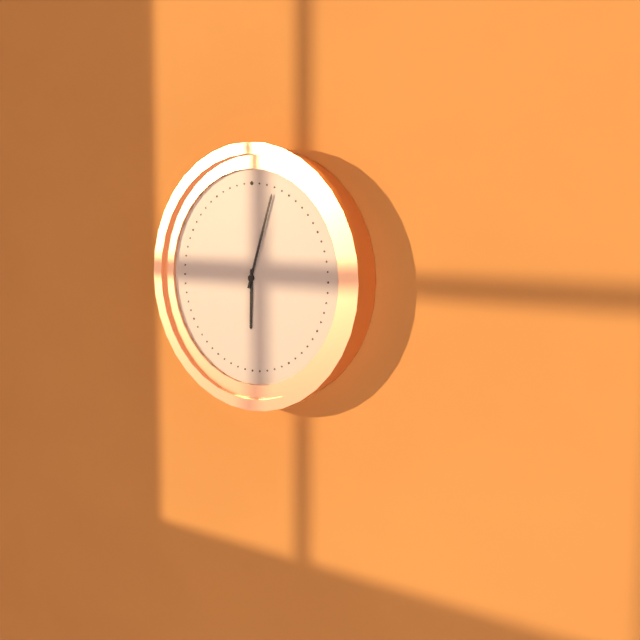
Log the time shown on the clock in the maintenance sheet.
6:03
